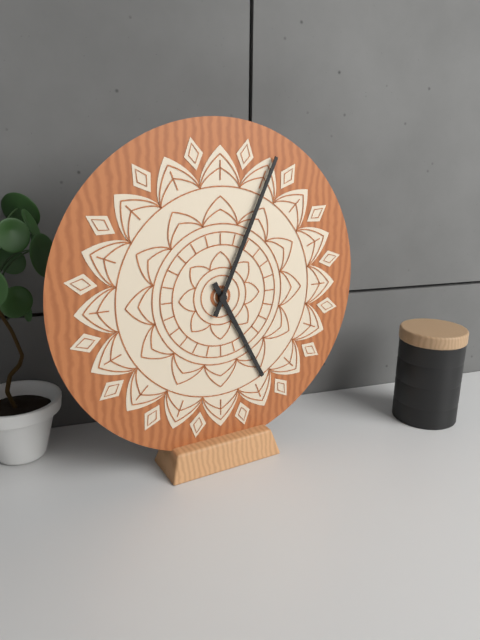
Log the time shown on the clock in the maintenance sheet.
5:04
